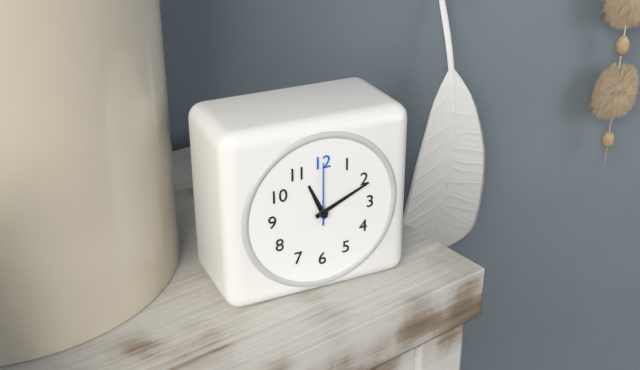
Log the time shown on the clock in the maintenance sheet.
11:11:00
